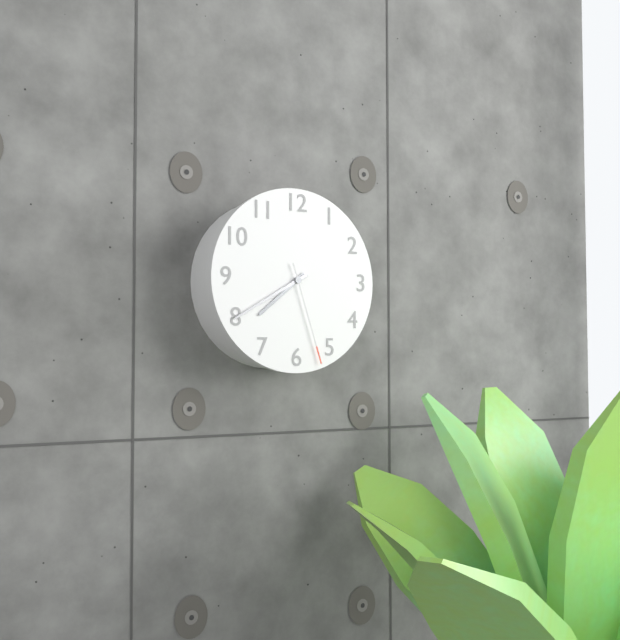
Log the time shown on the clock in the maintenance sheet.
7:40:27
